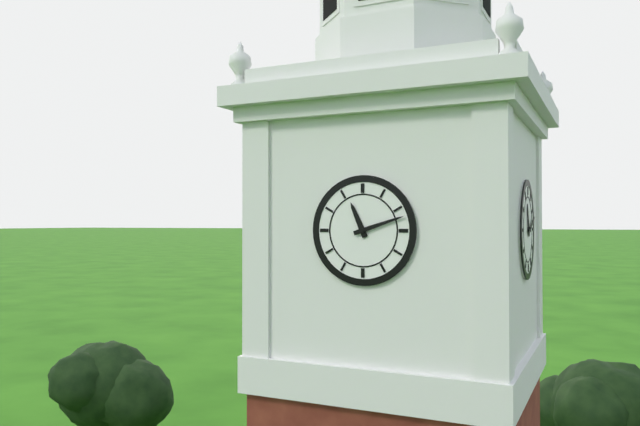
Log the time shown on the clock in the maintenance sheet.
11:12
